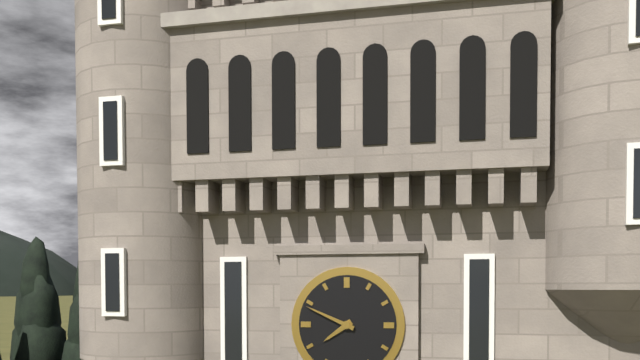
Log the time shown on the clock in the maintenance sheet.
7:49
